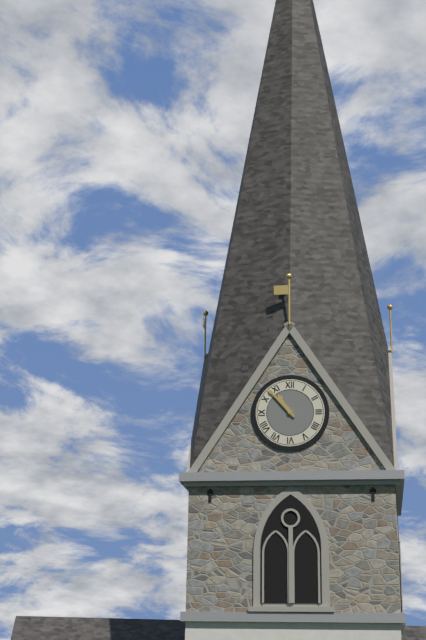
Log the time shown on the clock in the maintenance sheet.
10:53
